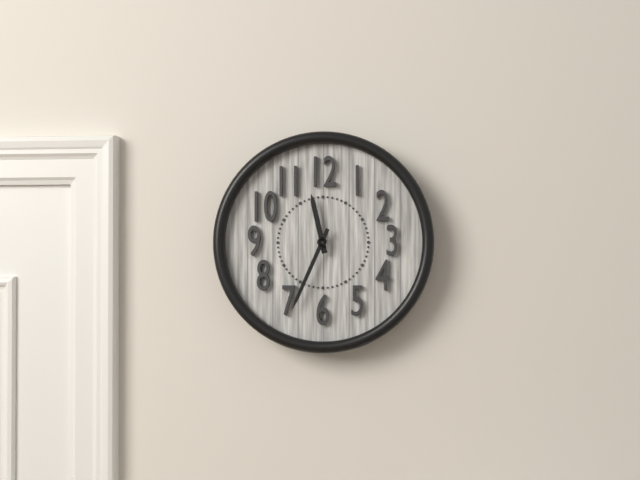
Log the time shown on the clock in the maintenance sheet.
11:34
